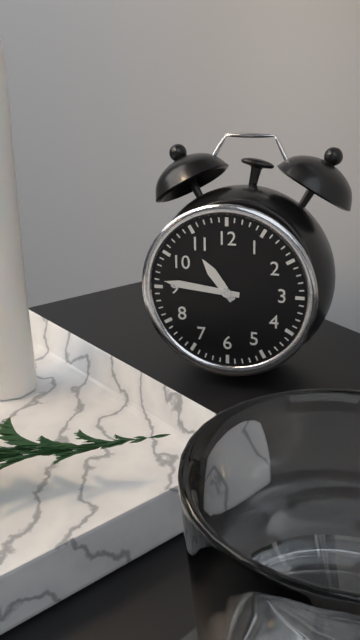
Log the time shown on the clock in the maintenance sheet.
10:46
